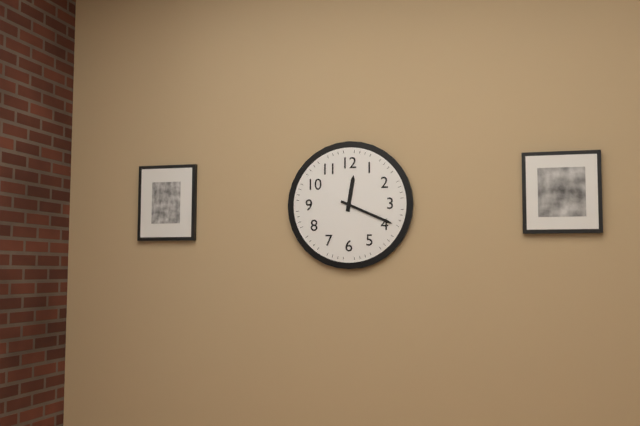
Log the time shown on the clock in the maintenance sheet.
12:19
